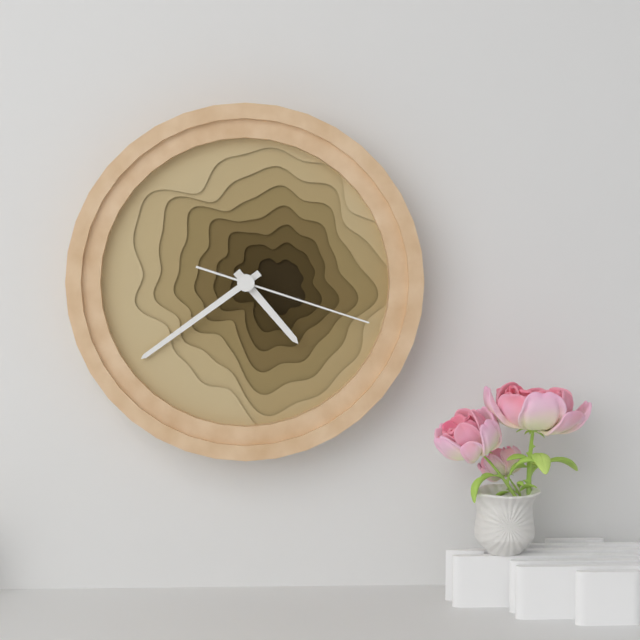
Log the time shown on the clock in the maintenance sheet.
4:39:18
